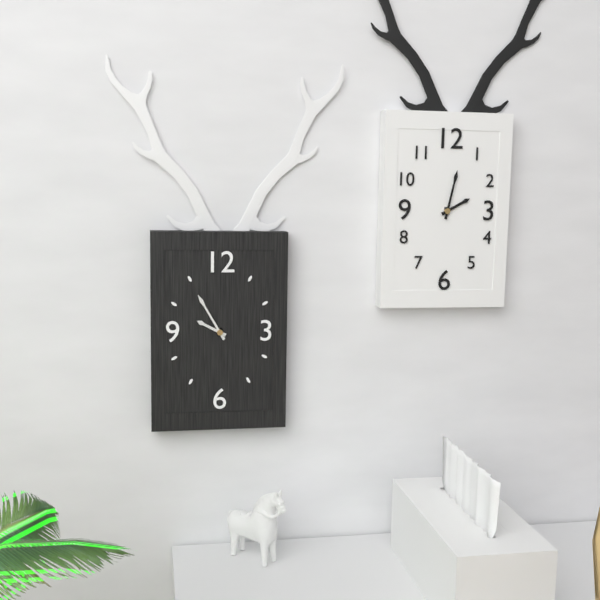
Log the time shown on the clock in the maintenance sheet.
9:55
